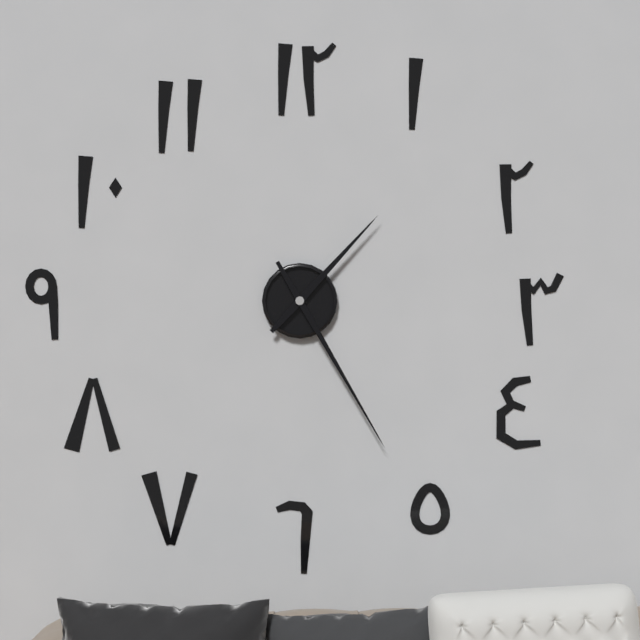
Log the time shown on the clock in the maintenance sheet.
1:25
